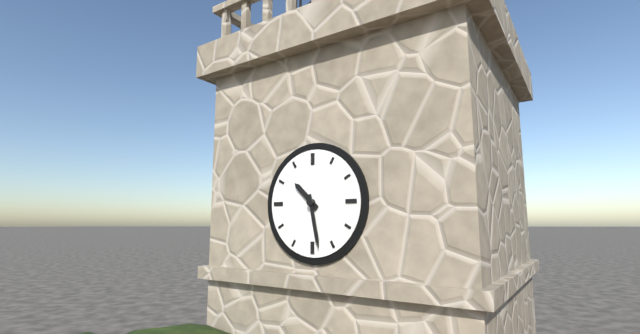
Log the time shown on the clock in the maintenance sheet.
10:28
